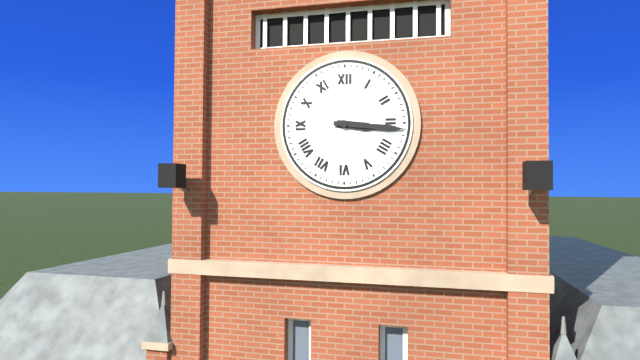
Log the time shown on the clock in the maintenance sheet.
3:16
